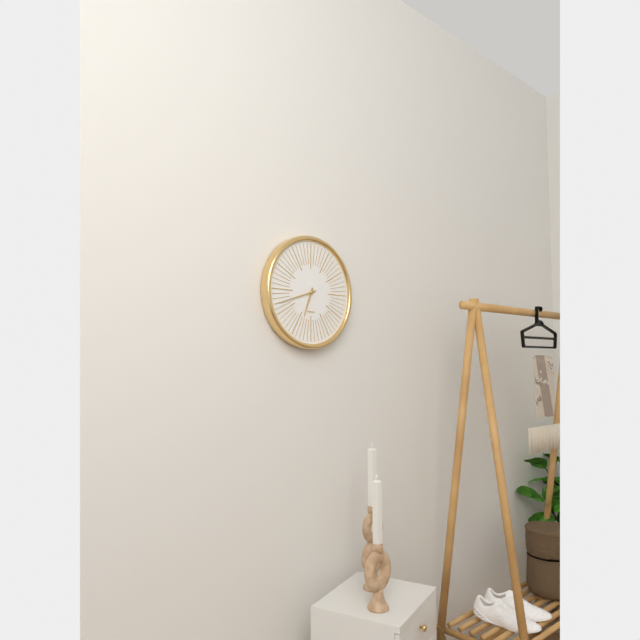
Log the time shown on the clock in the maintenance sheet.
6:42
